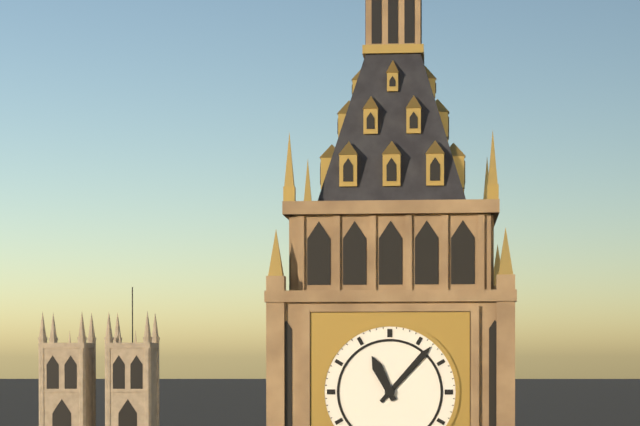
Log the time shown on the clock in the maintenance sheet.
11:07
